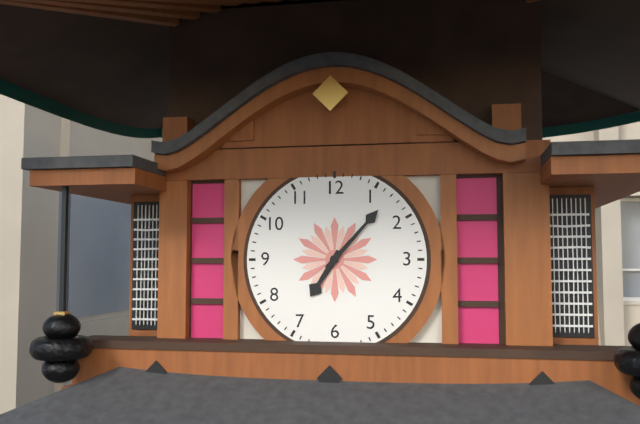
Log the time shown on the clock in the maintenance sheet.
7:07
